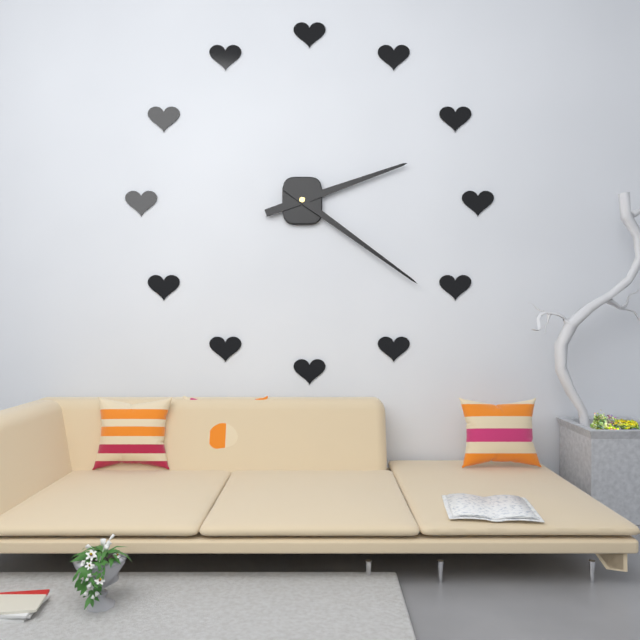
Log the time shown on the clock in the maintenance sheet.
2:21
